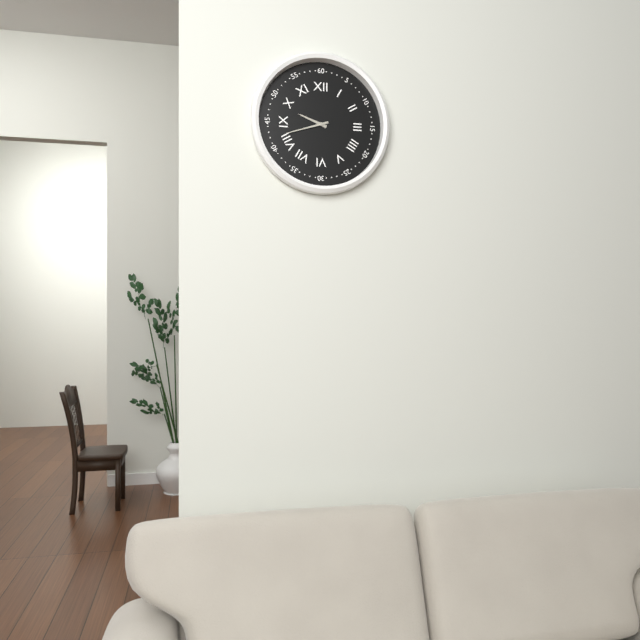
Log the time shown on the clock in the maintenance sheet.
9:42
